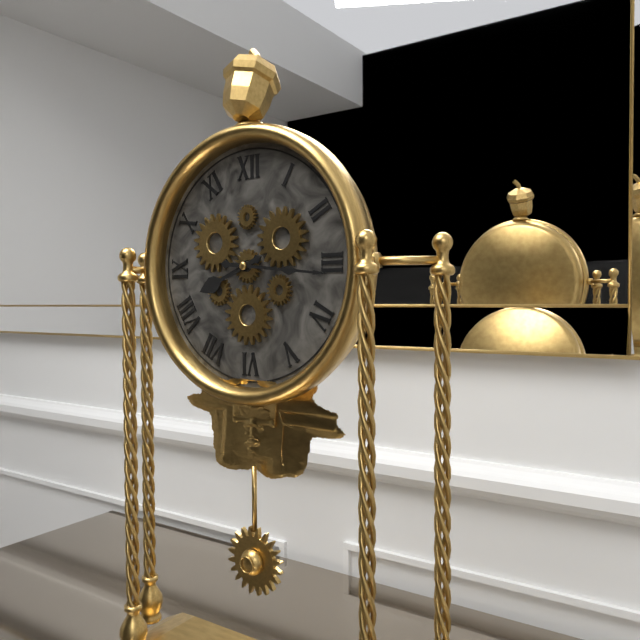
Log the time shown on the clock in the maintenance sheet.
8:16
